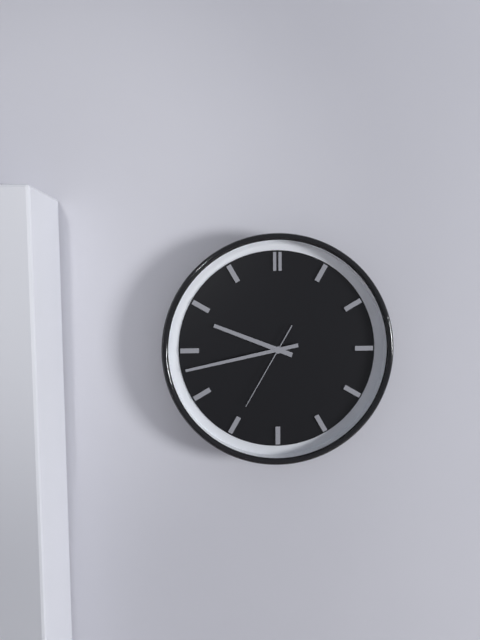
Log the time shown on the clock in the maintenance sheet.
9:43:35
